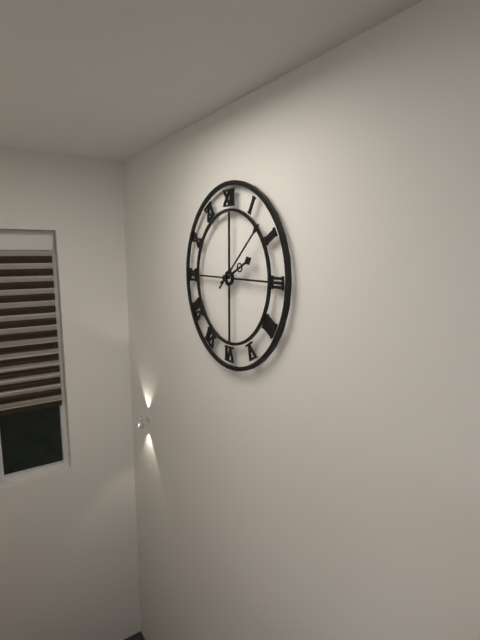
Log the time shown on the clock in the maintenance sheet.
2:08
